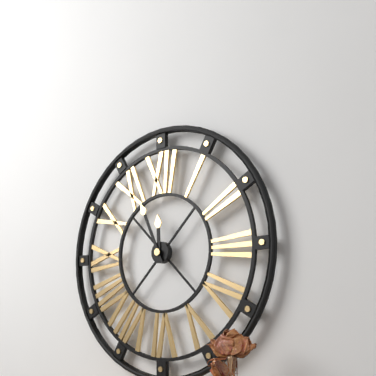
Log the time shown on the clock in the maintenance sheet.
11:56
